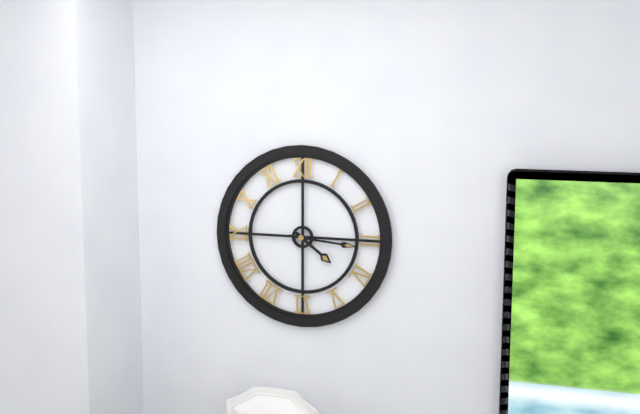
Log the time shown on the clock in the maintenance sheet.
4:16
